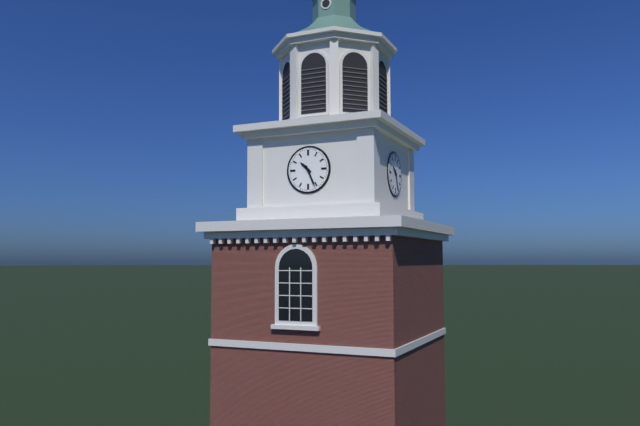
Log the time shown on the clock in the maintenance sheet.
10:26
